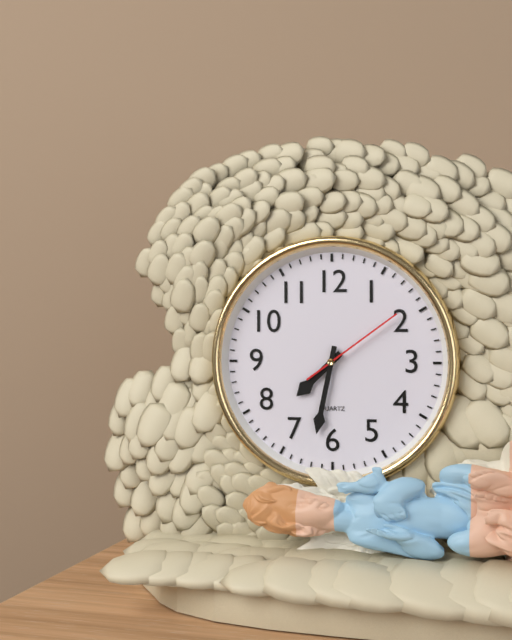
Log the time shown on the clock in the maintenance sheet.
7:32:09
